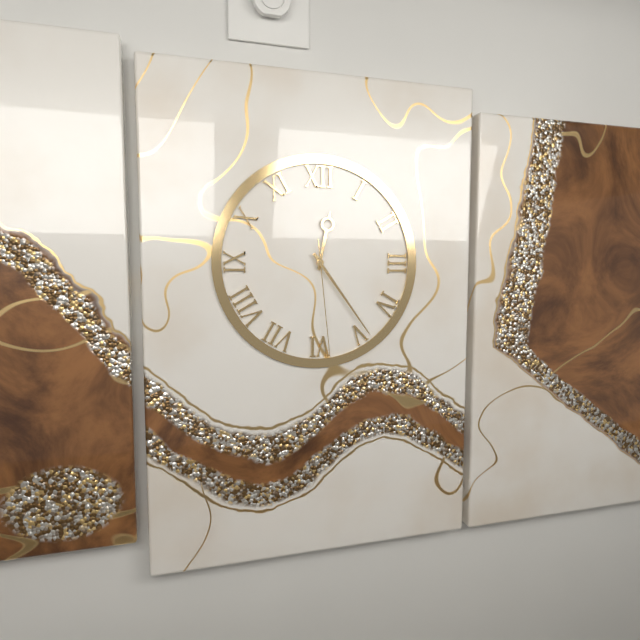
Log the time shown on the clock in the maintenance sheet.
12:24:29
